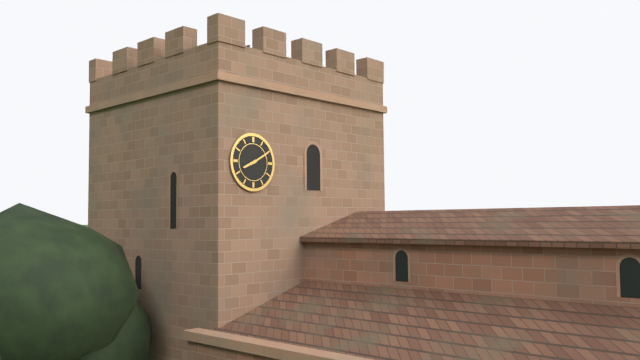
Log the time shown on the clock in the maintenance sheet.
8:10
